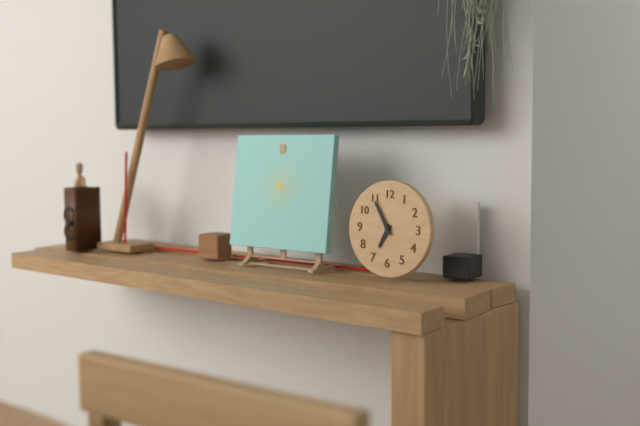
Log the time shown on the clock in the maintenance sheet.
6:55
